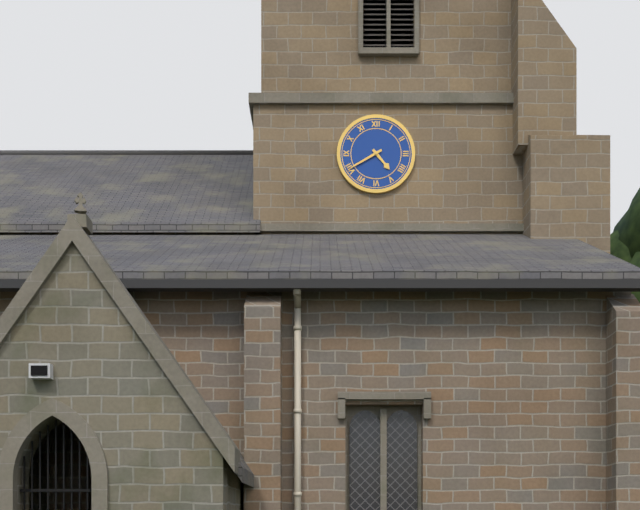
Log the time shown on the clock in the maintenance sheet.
4:40
